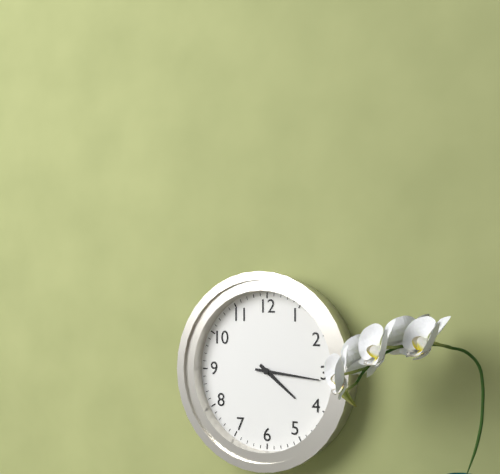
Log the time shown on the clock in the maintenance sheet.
4:16
